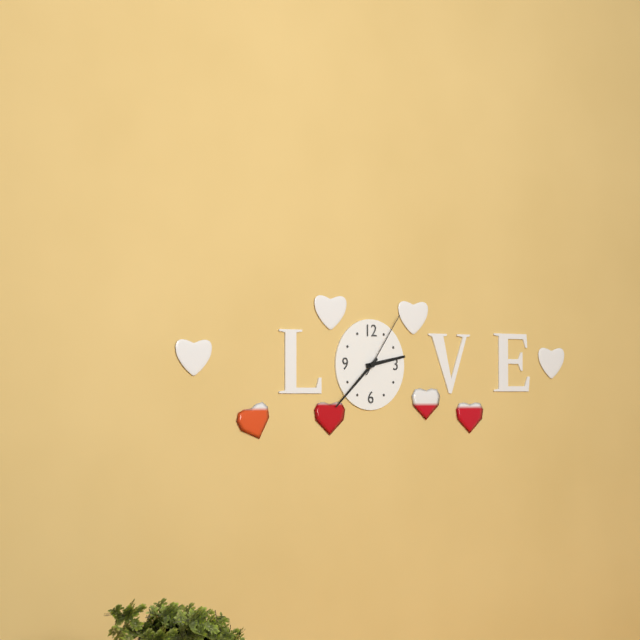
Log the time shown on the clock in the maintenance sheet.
2:38:06
